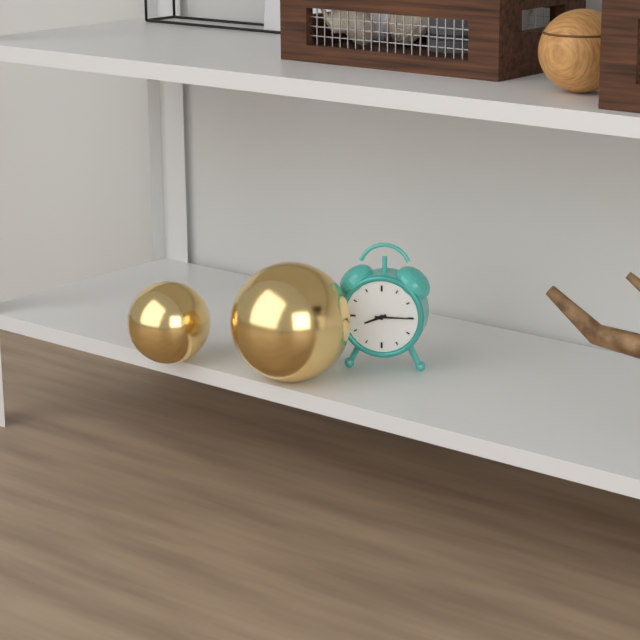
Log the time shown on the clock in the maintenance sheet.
8:15
